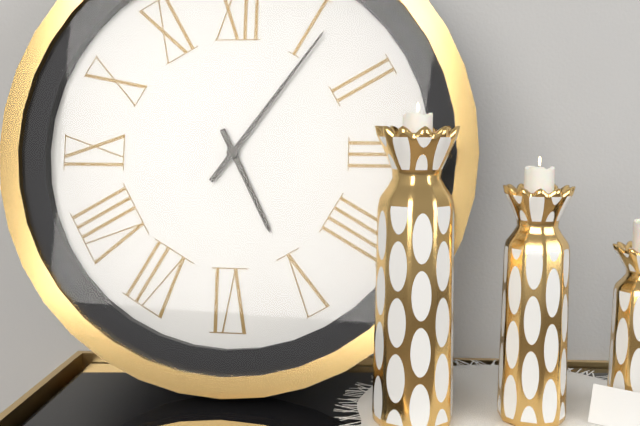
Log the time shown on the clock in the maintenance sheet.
5:06
